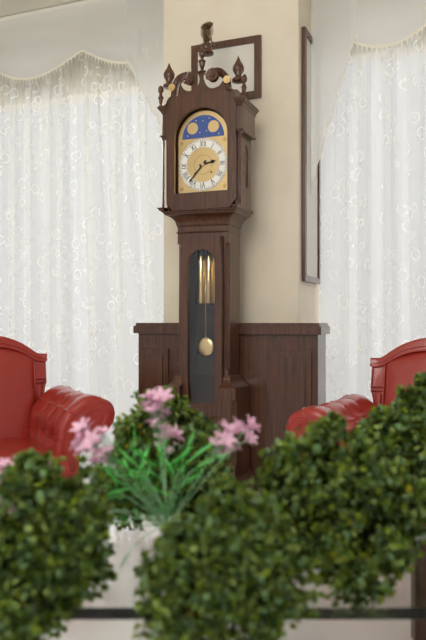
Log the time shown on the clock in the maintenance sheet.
2:37
